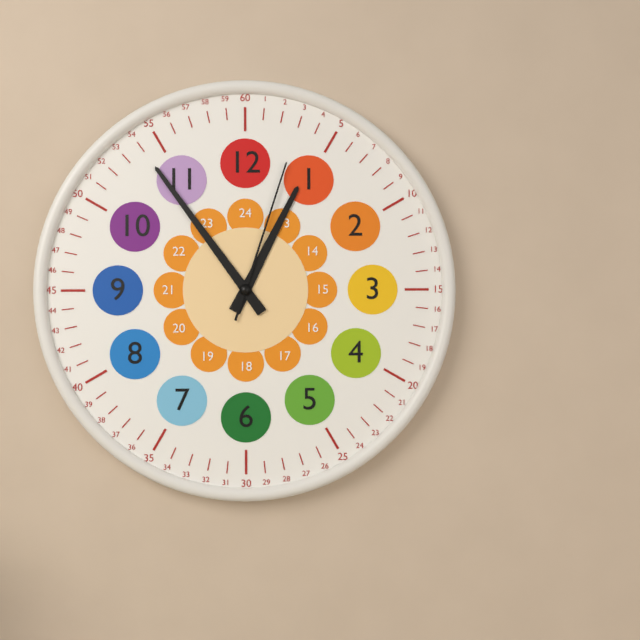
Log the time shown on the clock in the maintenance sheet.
12:54:03
